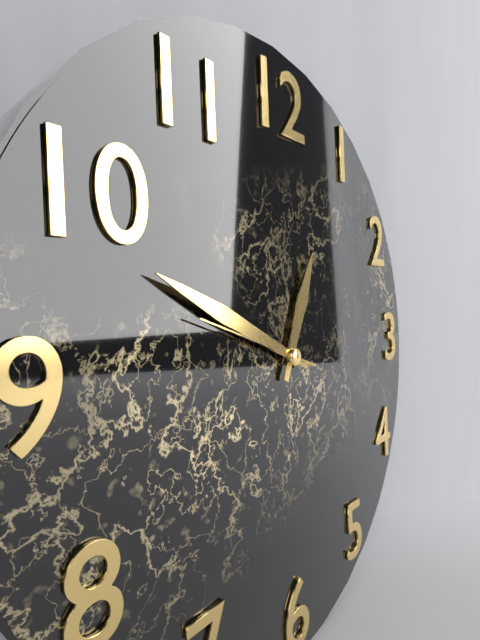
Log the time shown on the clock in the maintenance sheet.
12:49:48
